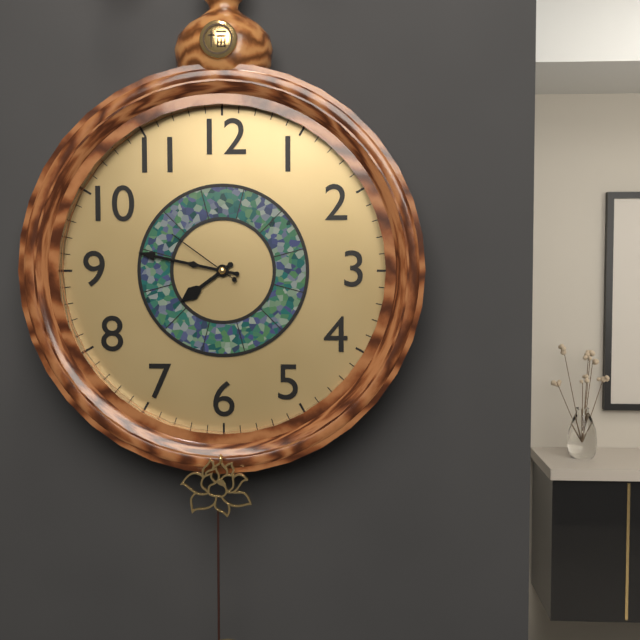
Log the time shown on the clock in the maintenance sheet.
7:47:51
